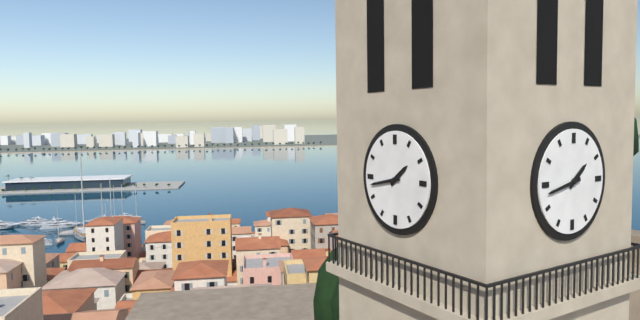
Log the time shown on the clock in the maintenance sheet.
1:43
